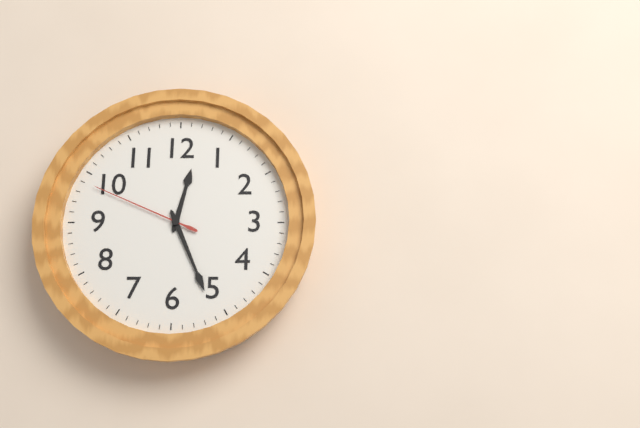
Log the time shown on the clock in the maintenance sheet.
12:26:49
